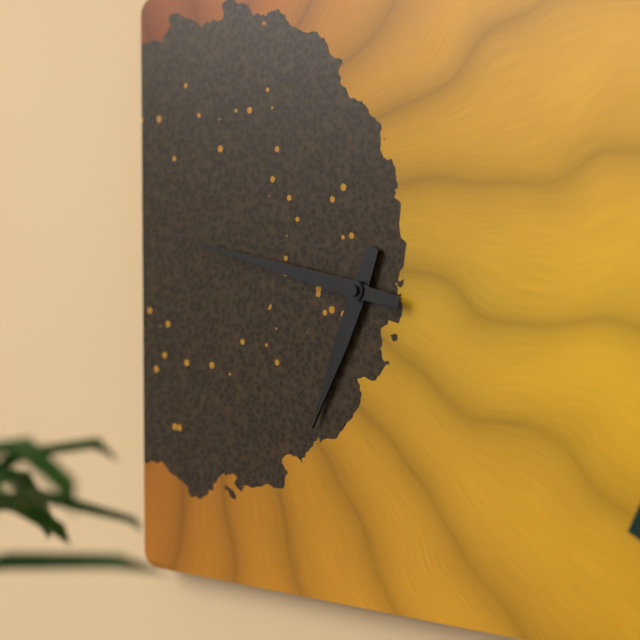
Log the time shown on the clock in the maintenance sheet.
6:47
